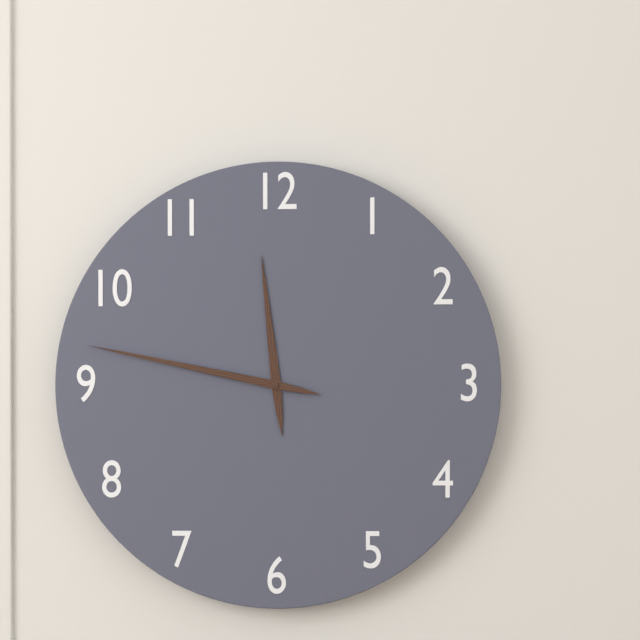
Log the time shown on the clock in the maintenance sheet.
11:47
